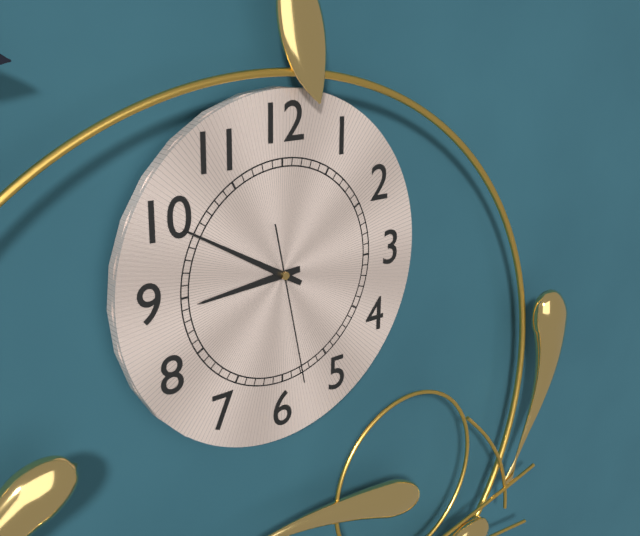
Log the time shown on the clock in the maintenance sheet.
8:50:28
